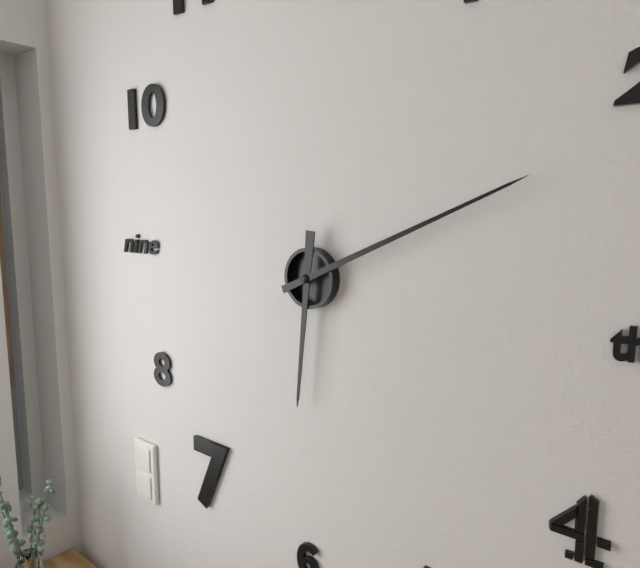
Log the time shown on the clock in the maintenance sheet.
6:11
